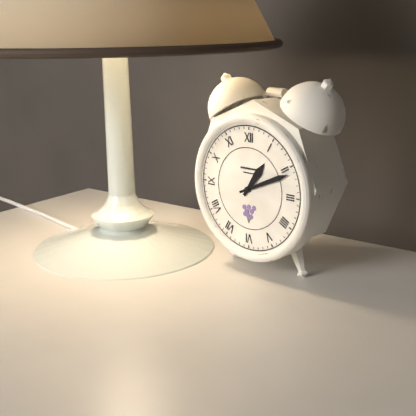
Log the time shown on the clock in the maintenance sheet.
1:11
